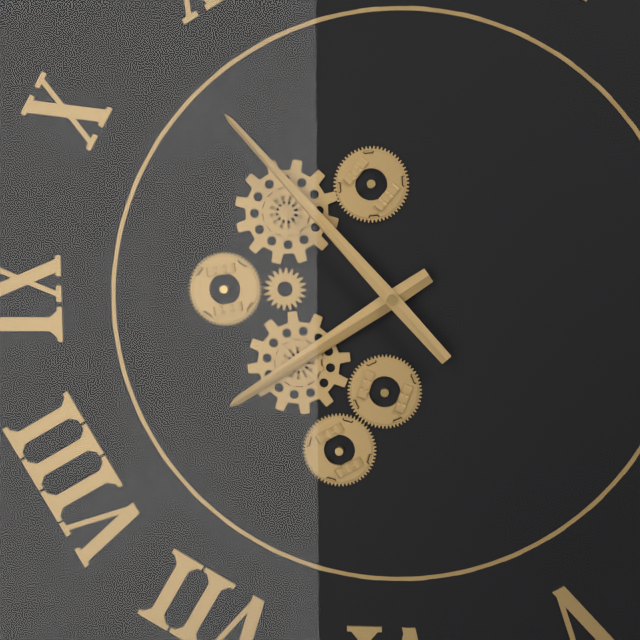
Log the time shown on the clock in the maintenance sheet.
7:53
